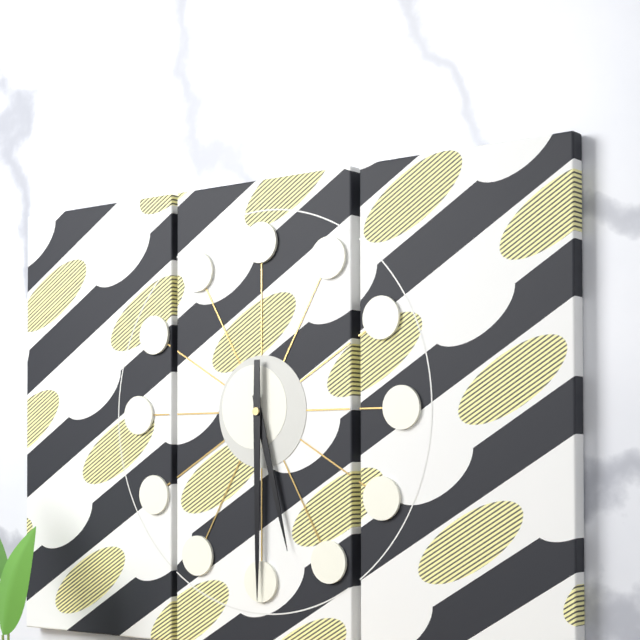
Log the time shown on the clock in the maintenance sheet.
5:30
